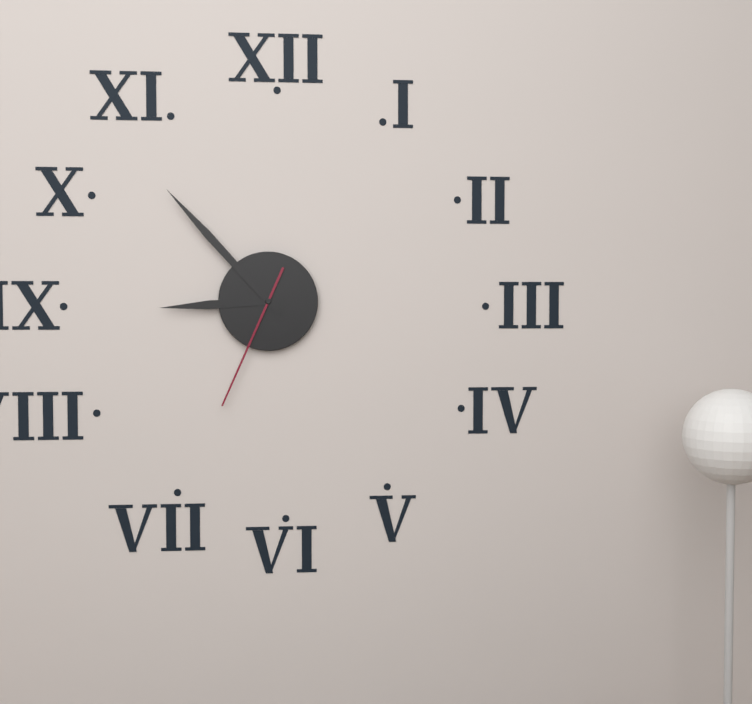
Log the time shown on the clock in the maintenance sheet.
8:53:34
